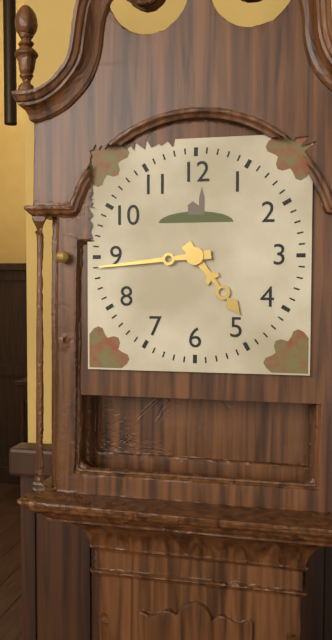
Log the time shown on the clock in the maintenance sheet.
4:44
